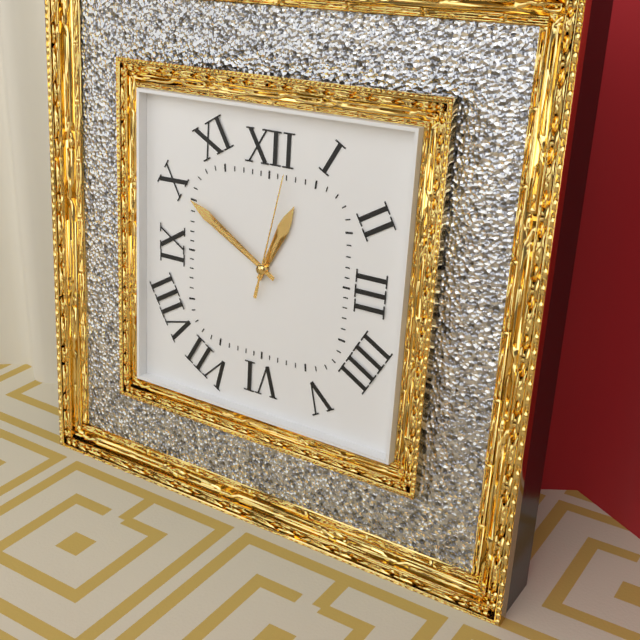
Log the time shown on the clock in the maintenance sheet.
12:50:02
